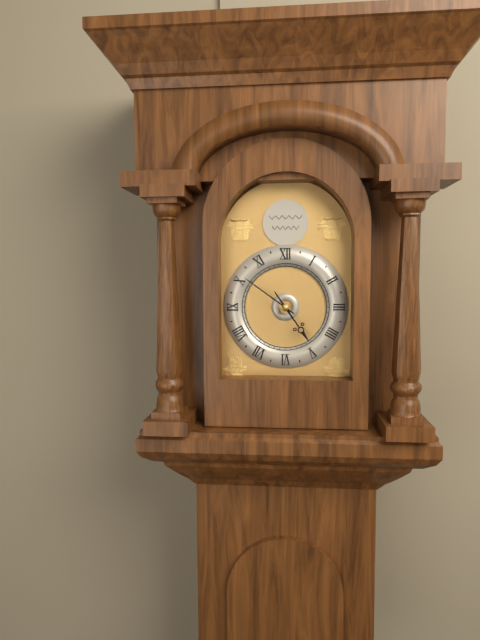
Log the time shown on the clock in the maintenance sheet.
4:51
